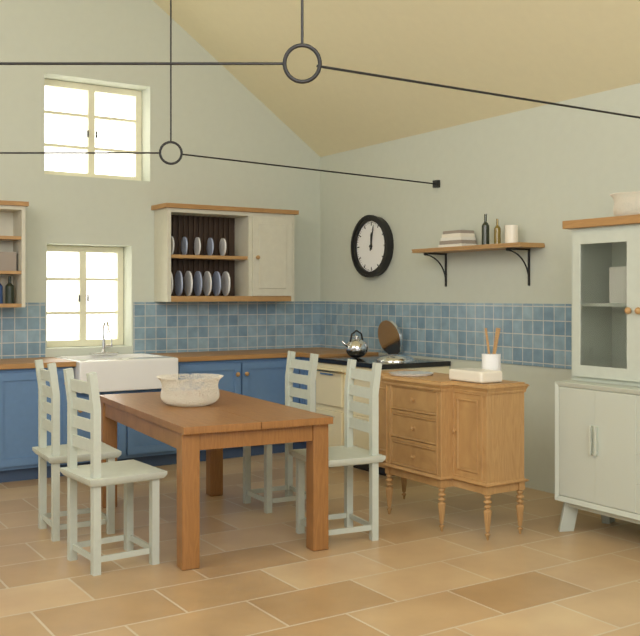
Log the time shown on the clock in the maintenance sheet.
12:02
